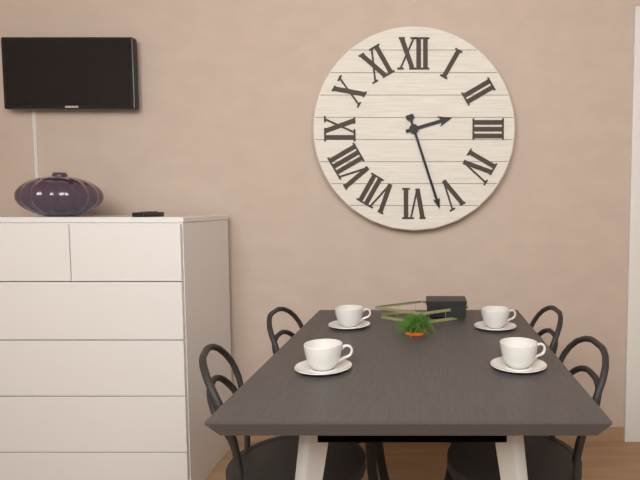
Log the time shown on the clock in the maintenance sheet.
2:27
